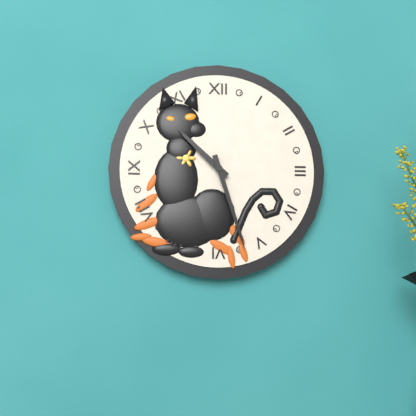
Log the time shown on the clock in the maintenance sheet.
10:27
